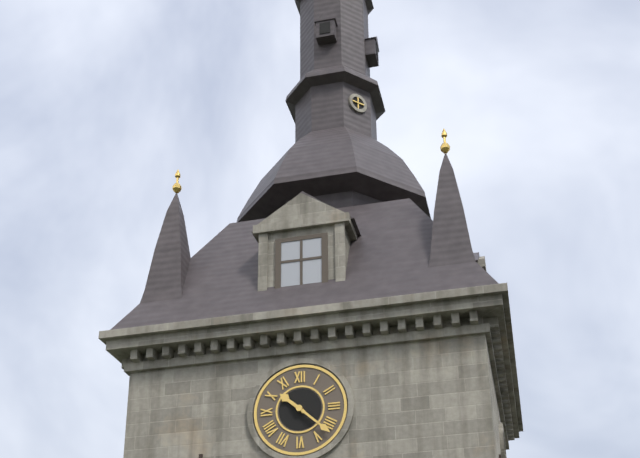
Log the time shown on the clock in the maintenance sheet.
10:22
